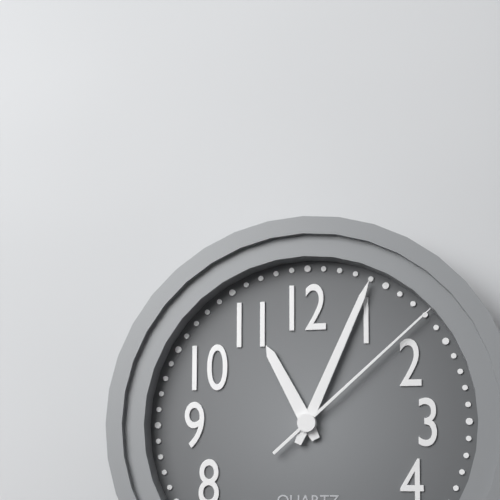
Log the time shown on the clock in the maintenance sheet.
11:04:08
